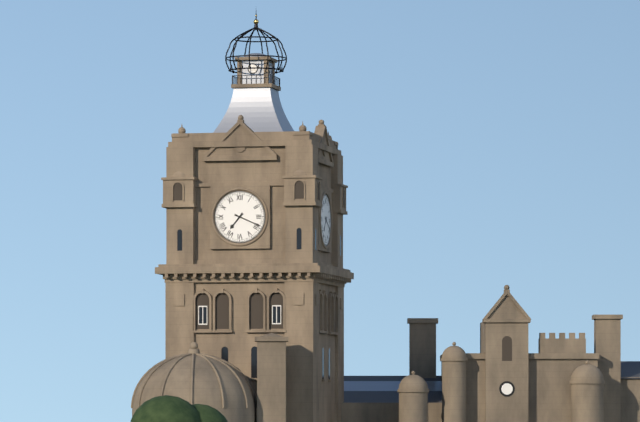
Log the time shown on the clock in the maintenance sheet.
7:19
